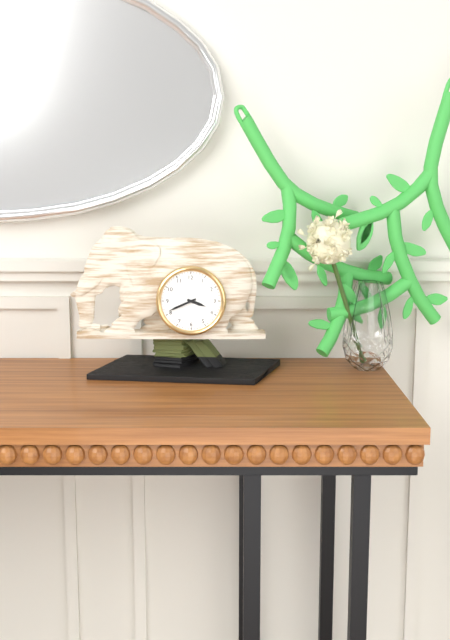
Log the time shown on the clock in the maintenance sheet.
3:41
